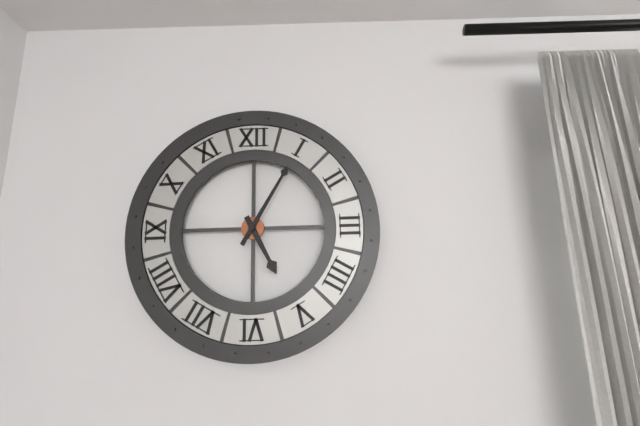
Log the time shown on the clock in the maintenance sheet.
5:05
